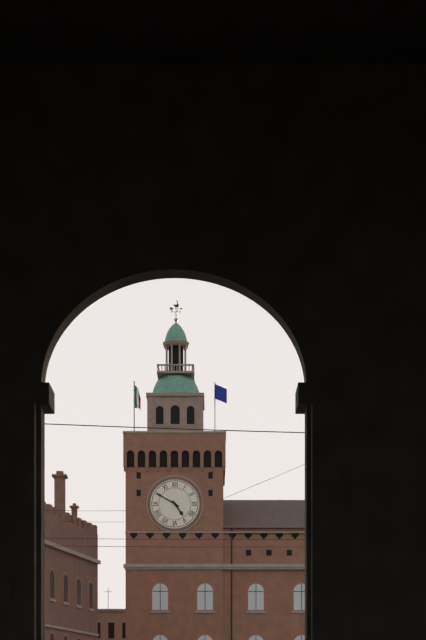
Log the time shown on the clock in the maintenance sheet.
4:50
